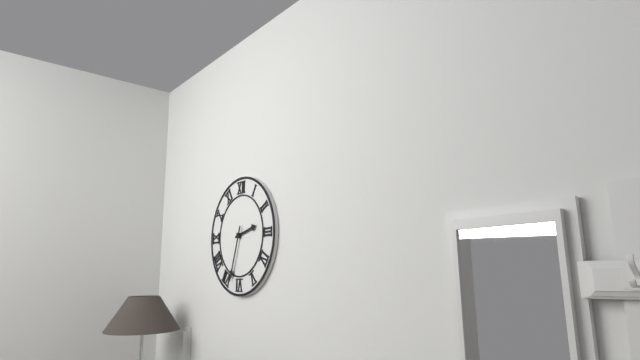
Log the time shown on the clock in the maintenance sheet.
2:33
